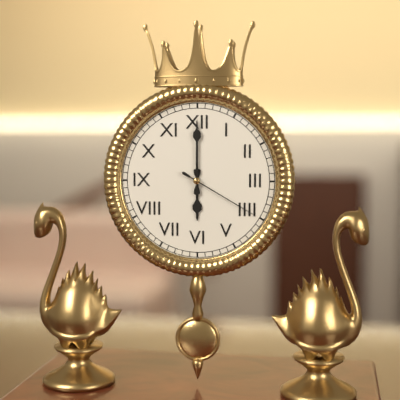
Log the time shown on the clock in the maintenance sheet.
6:00:20
